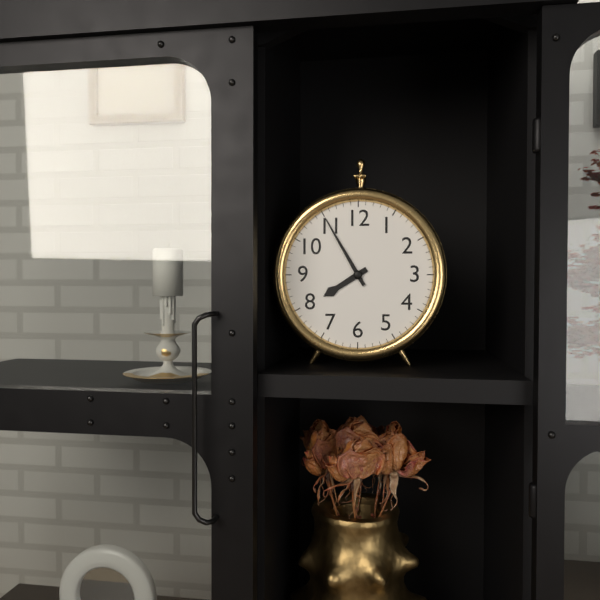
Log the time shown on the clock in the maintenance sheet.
7:55
